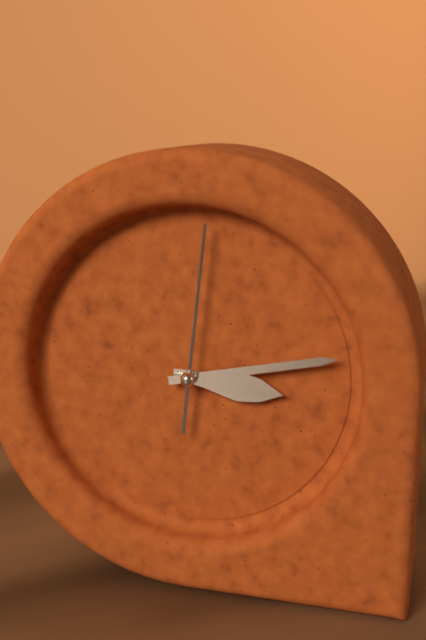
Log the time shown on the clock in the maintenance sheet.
3:13:01
